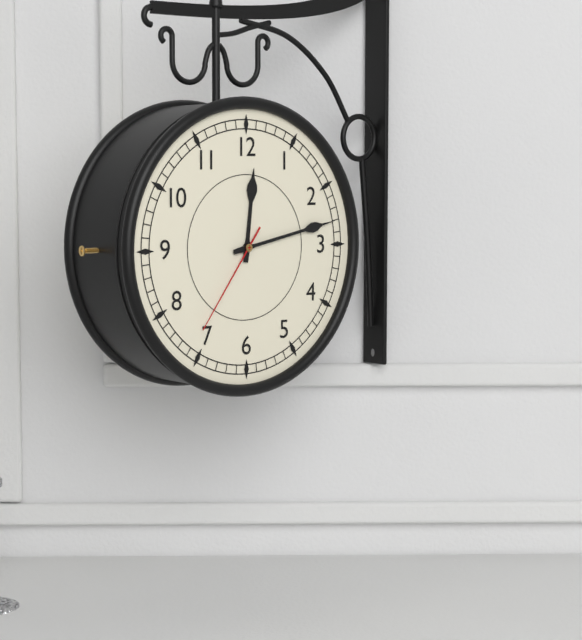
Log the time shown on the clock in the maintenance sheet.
12:13:36
